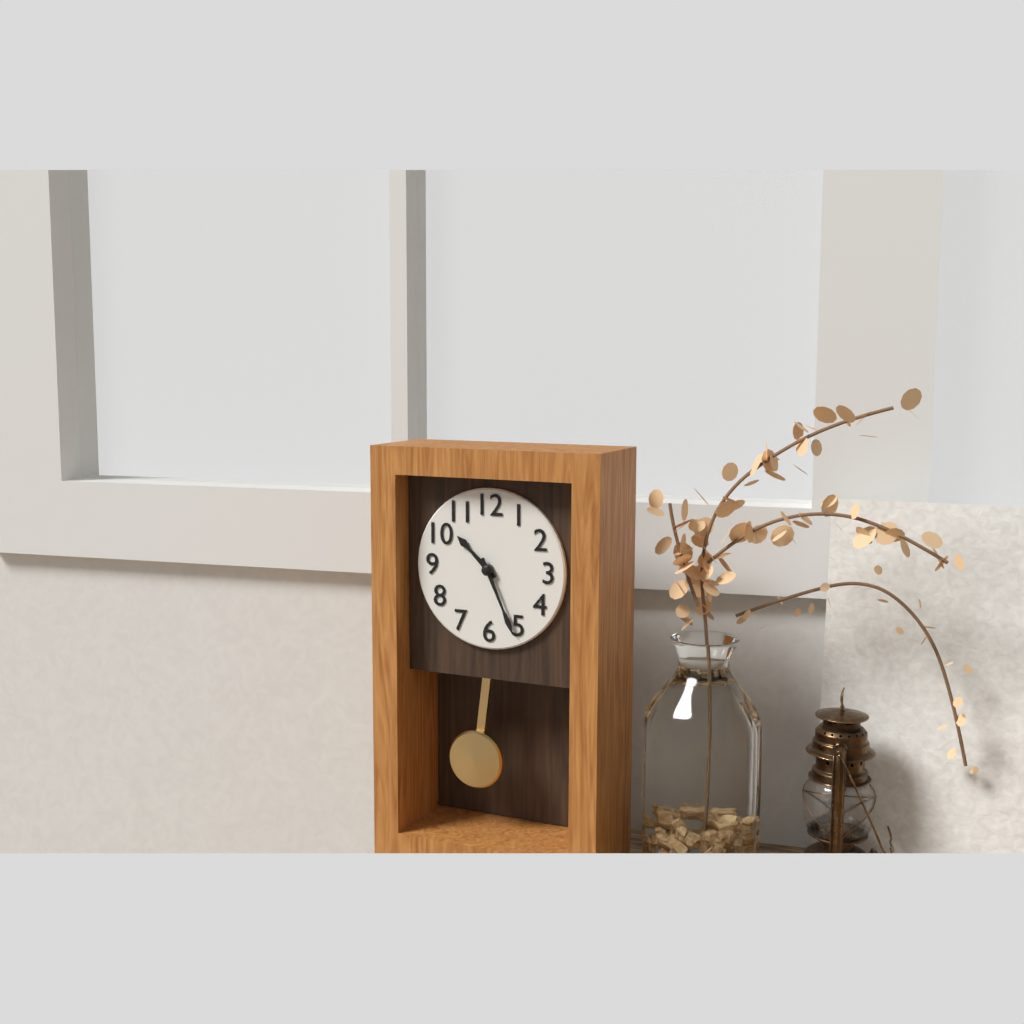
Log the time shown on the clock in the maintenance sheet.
10:26
